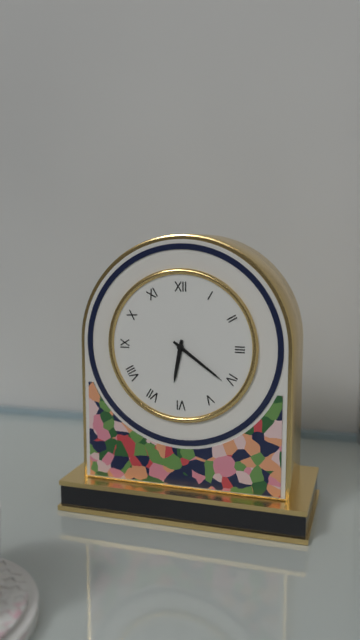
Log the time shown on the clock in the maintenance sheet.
6:21
